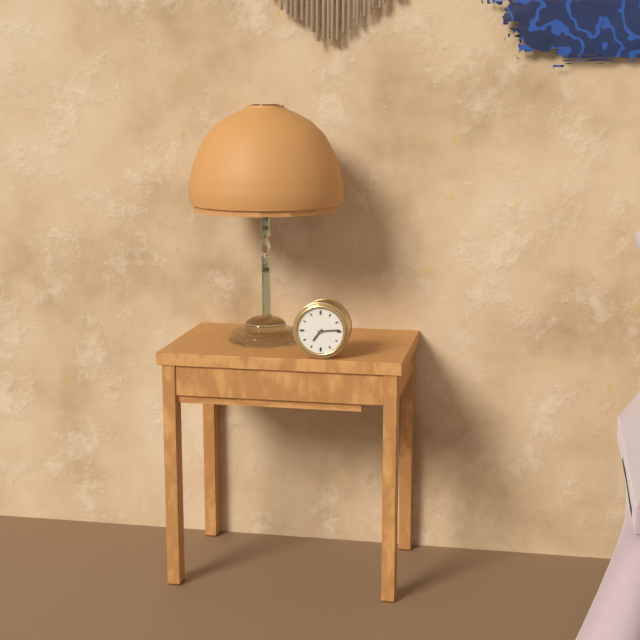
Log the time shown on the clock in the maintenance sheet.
7:14
